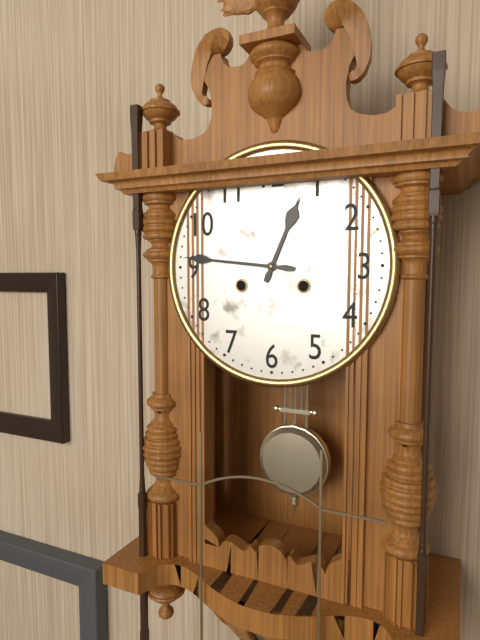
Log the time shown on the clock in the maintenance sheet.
12:46
